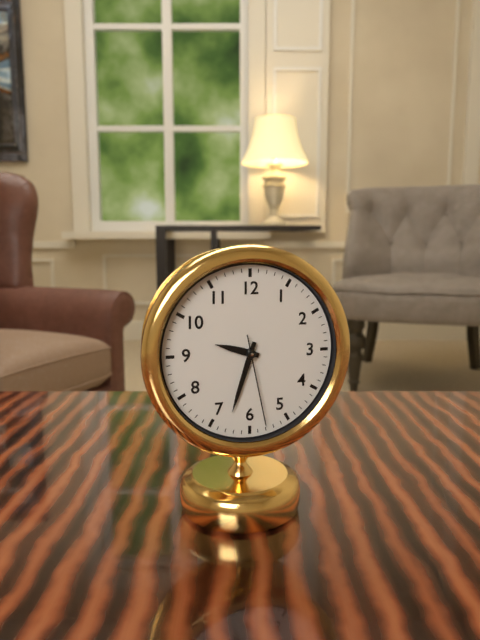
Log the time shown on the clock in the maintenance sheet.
9:33:28
